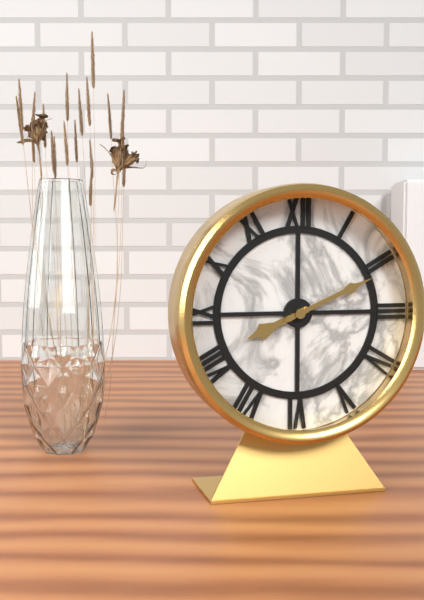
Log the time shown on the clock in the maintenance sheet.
8:11
